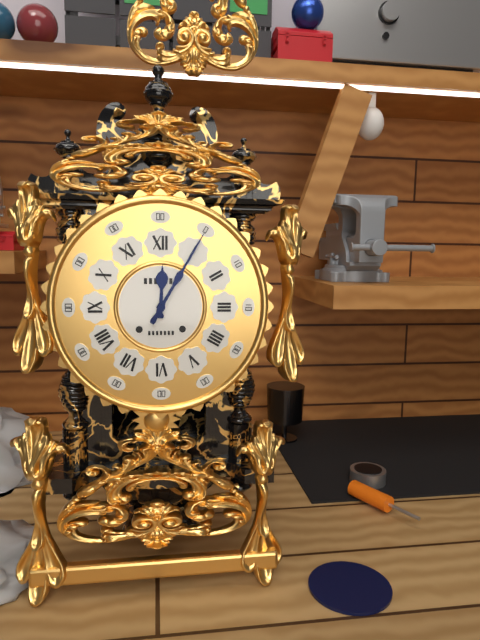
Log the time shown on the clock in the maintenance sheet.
12:05
